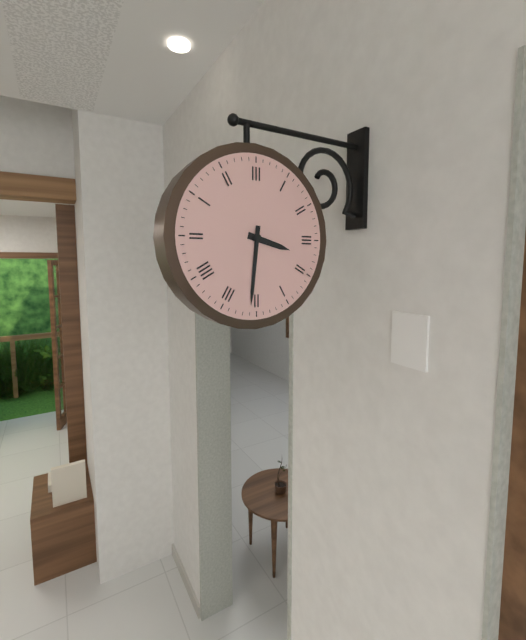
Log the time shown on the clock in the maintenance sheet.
3:31
